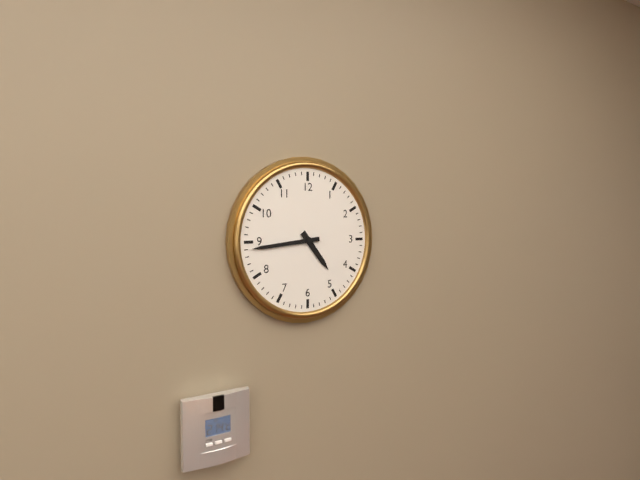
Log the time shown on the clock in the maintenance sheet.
4:44
